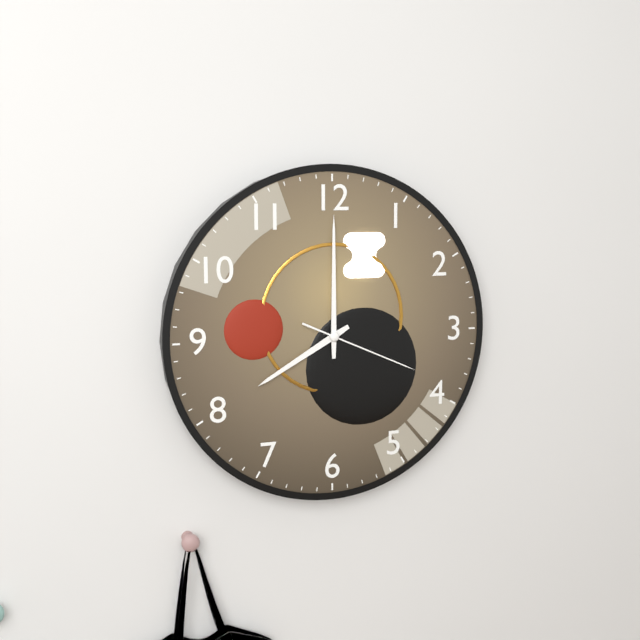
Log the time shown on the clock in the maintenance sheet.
8:00:19
